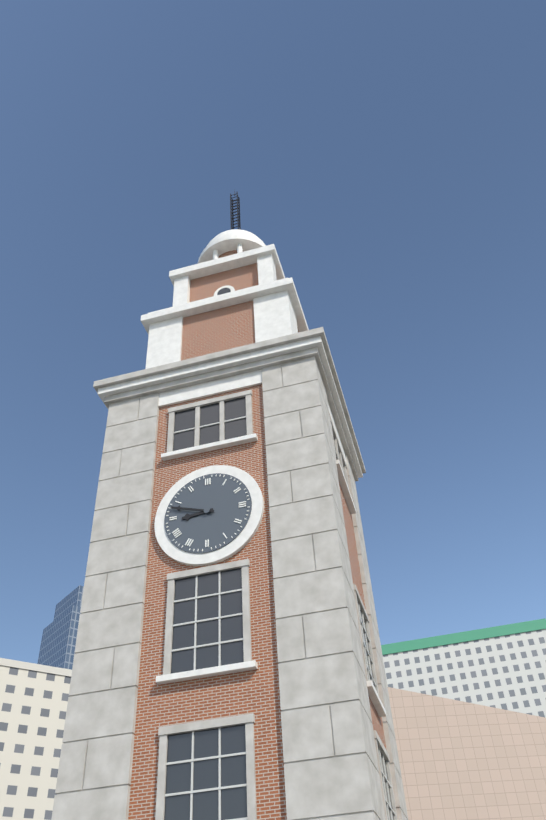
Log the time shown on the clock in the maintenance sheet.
8:48
